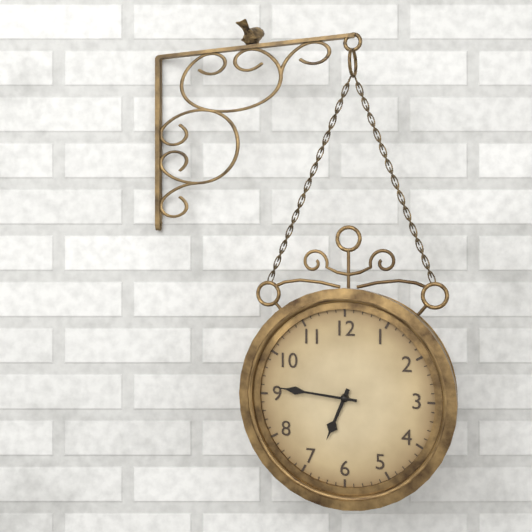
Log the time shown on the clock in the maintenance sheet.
6:46
